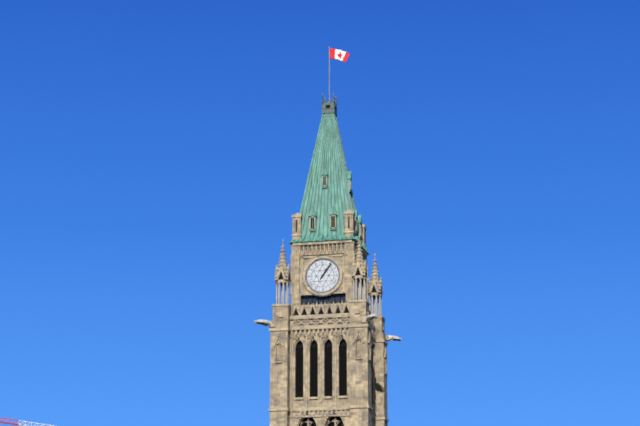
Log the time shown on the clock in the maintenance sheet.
1:06
